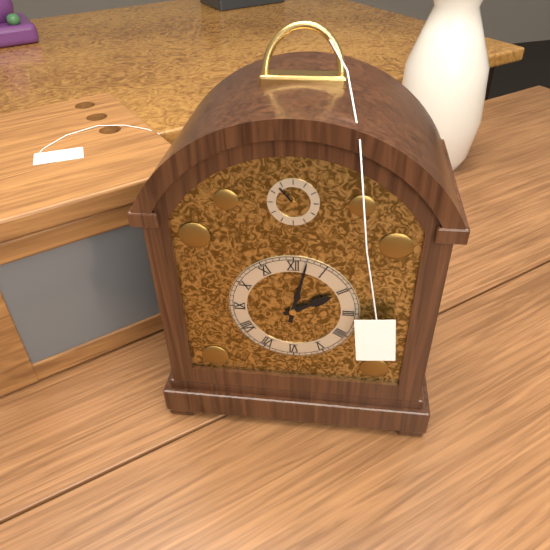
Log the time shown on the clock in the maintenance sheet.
2:02
